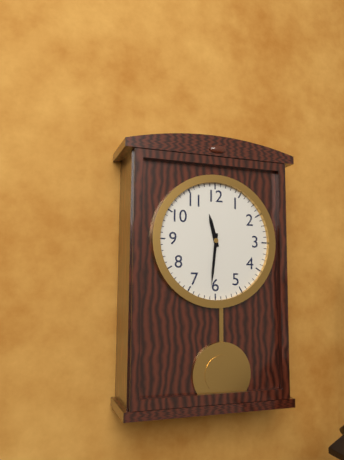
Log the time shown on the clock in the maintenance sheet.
11:31
